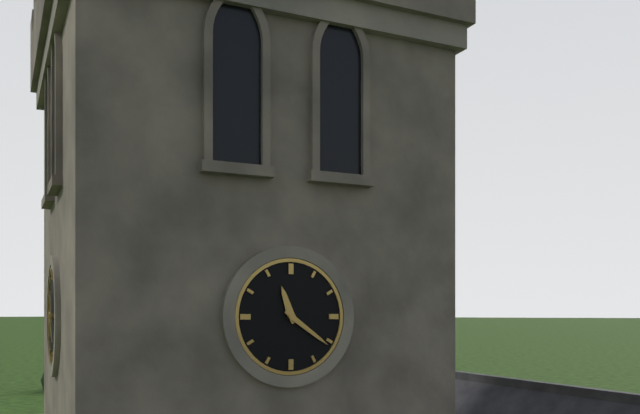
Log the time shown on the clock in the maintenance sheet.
11:21
